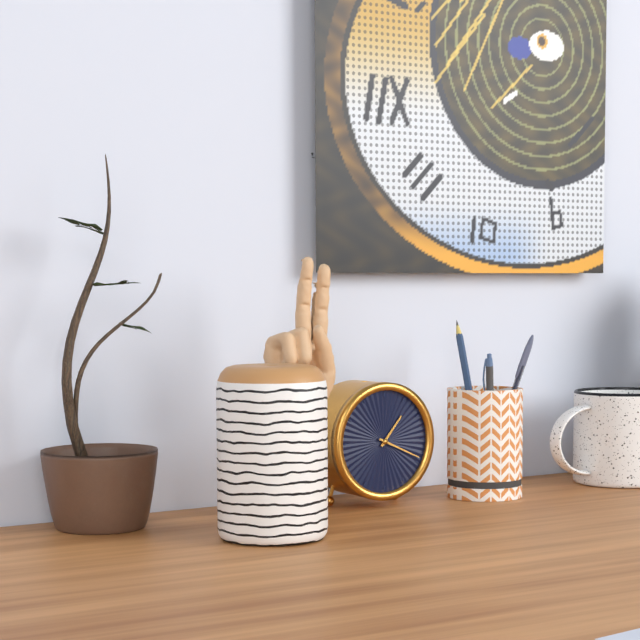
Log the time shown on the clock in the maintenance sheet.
1:19
